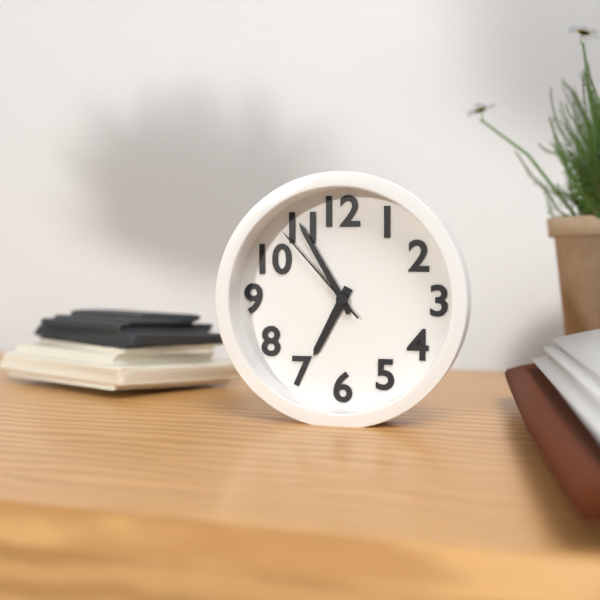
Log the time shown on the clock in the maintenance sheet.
6:55:53
